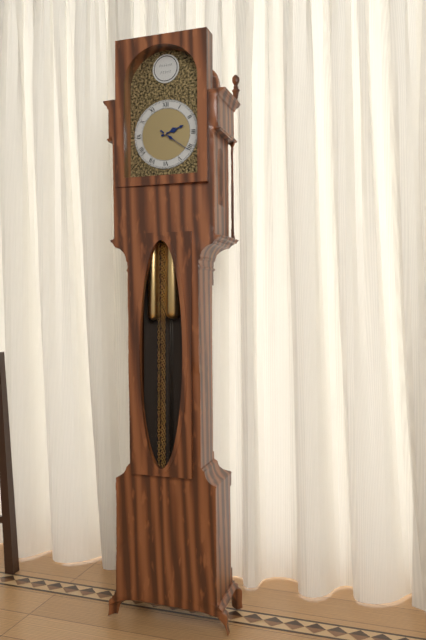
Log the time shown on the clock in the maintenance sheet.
2:21
